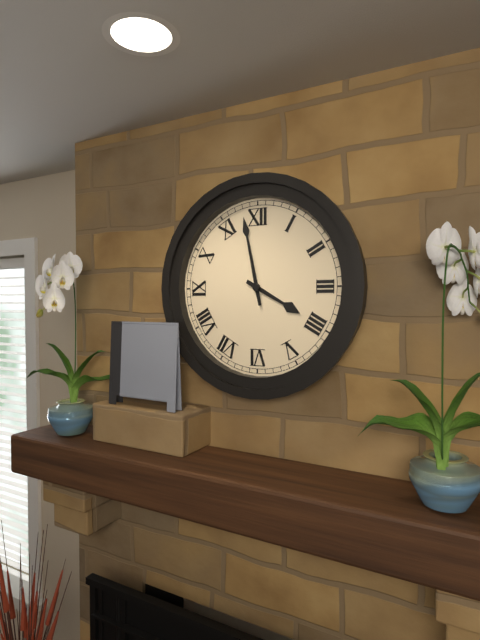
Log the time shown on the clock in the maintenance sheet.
3:58
